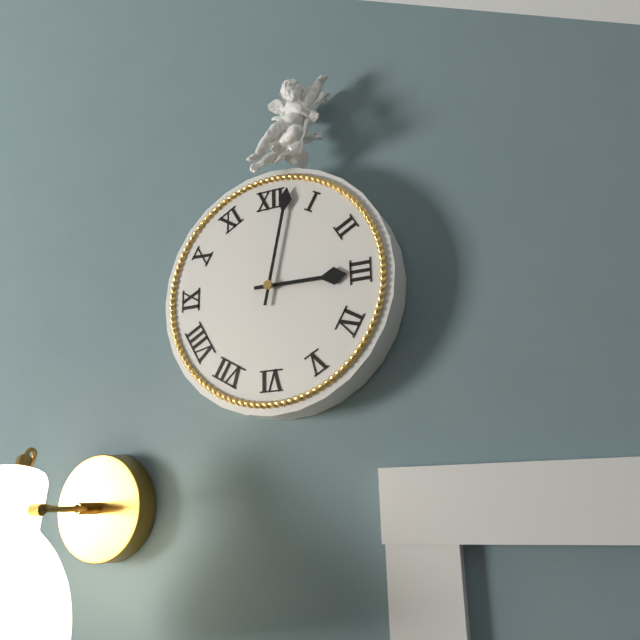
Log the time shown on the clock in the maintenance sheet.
3:02
